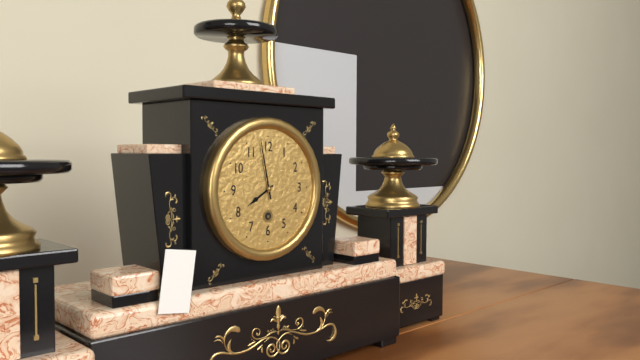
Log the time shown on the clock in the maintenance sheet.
7:58
